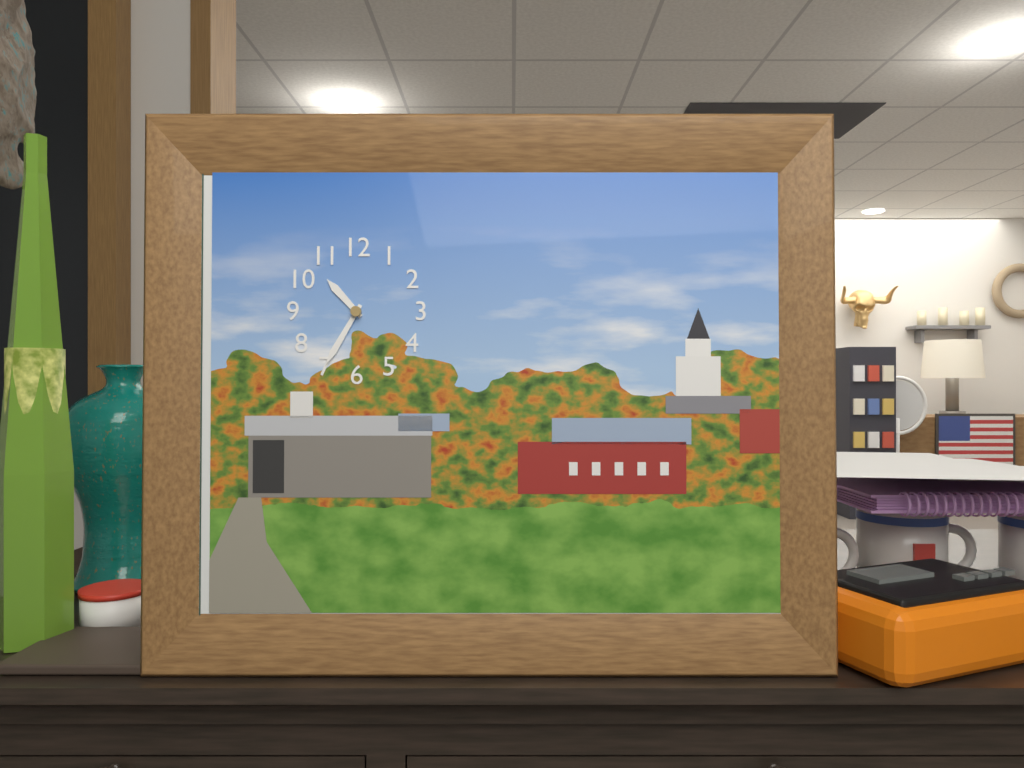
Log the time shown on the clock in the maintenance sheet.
10:35
